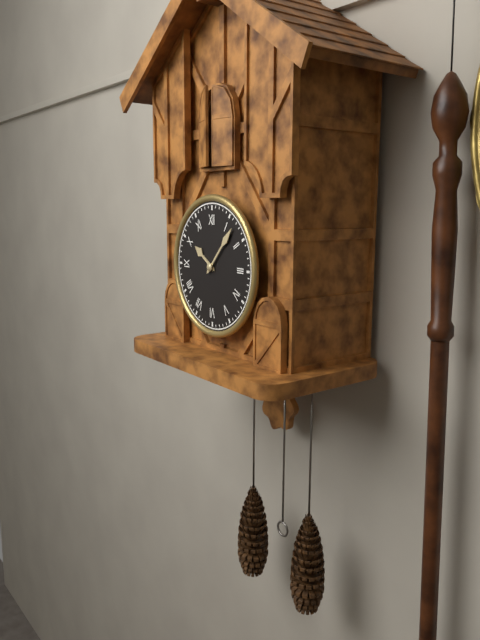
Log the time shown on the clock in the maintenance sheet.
10:07
